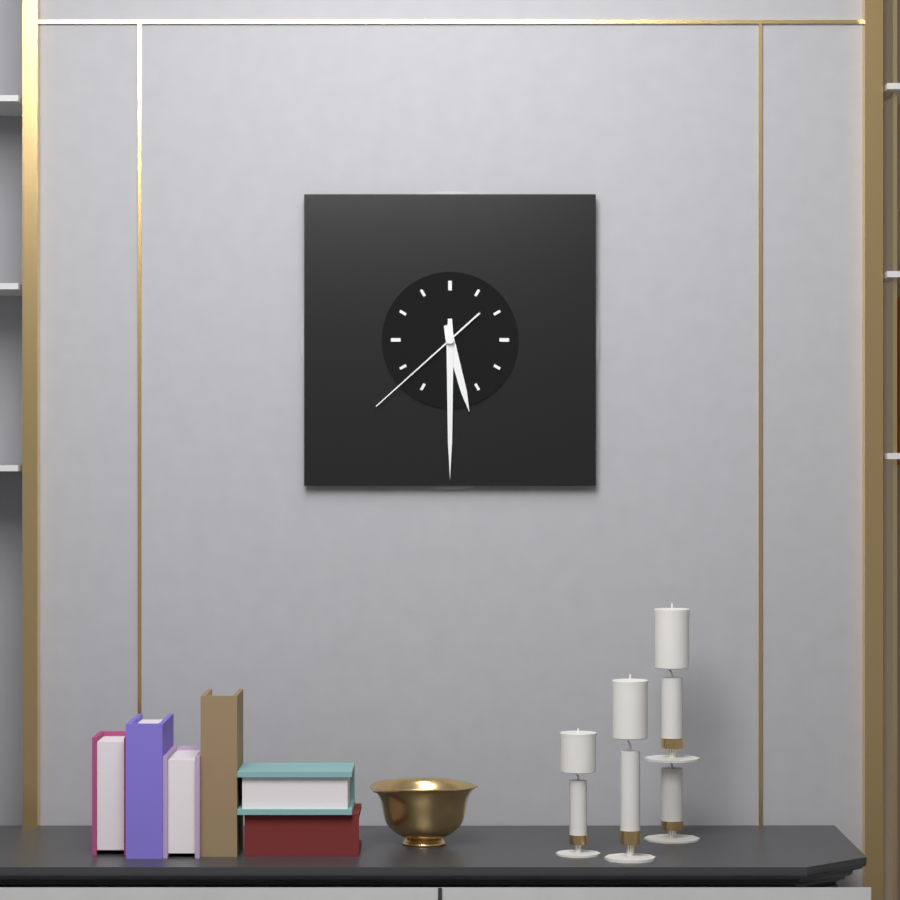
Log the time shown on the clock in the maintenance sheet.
5:30:38
